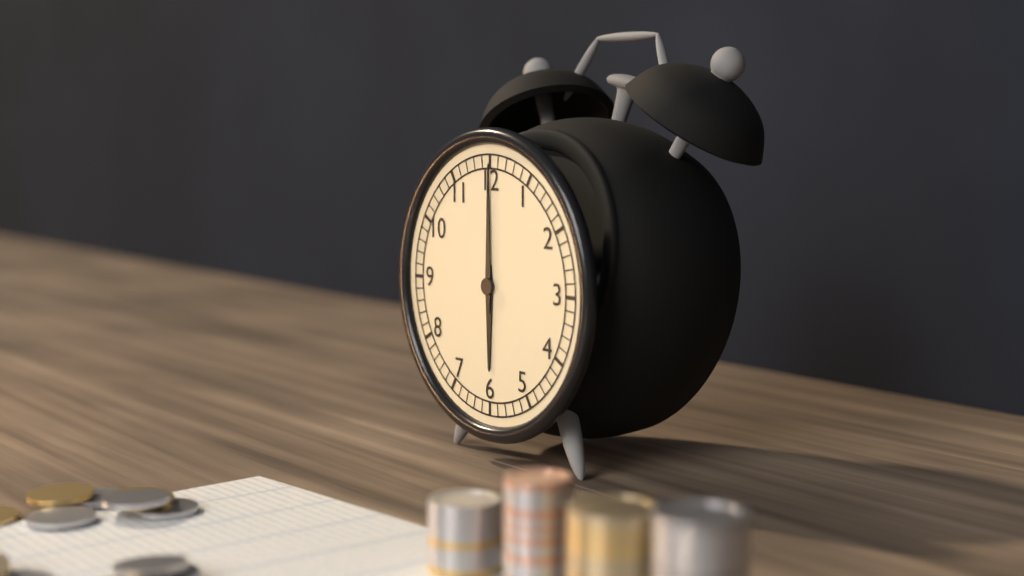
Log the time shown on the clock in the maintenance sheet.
6:00
